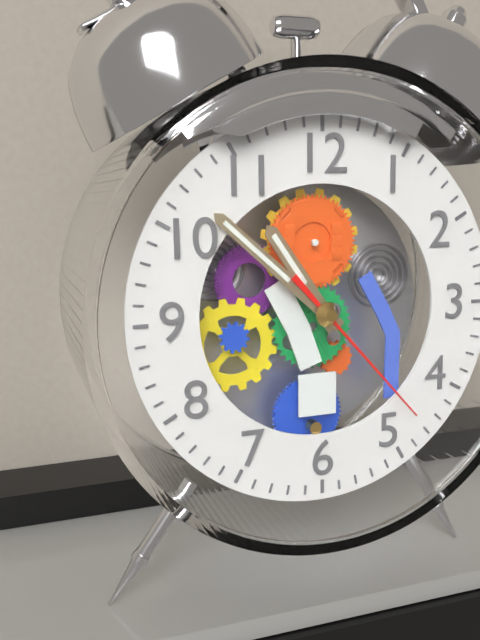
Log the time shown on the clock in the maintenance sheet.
10:52:23
